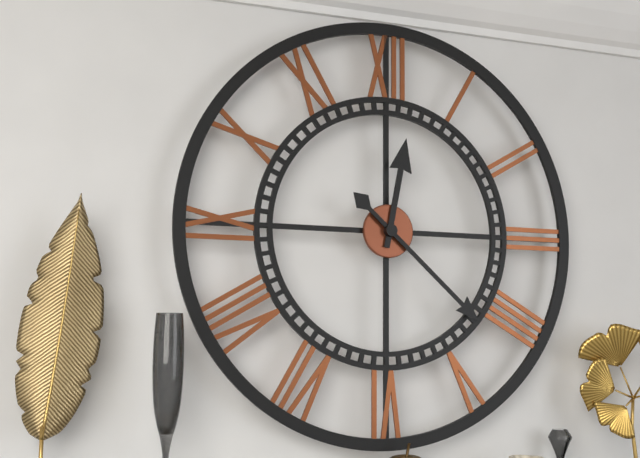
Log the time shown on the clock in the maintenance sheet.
12:22
